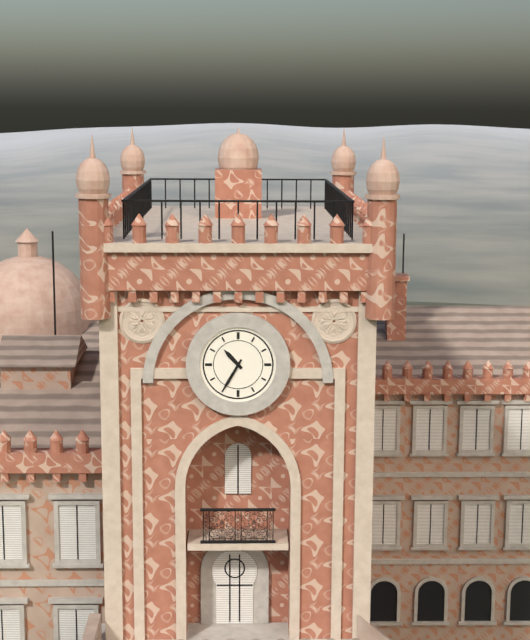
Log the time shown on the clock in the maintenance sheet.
10:35
